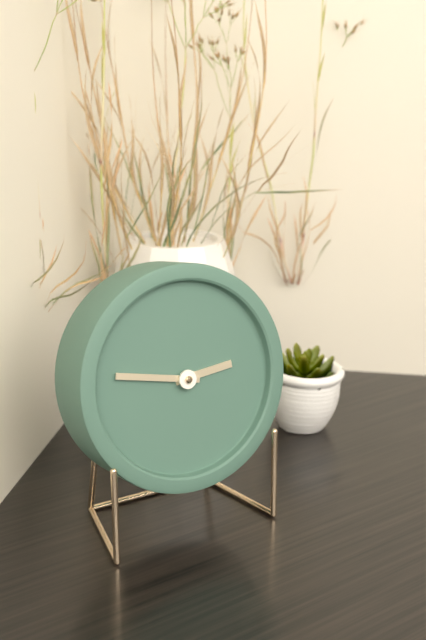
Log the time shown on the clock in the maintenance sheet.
2:47
